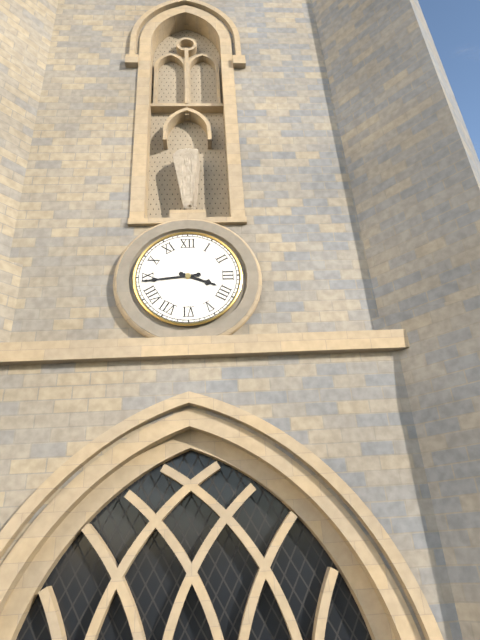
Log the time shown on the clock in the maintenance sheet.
3:44
